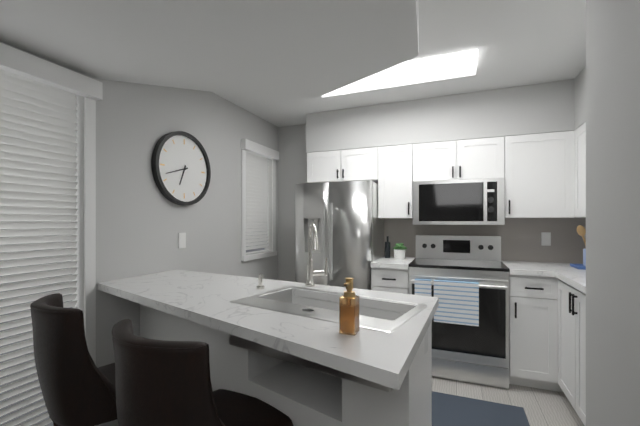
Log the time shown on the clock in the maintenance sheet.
6:42
